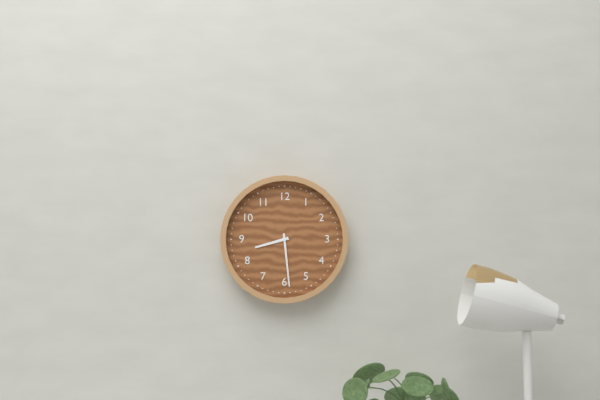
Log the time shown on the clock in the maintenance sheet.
8:29
